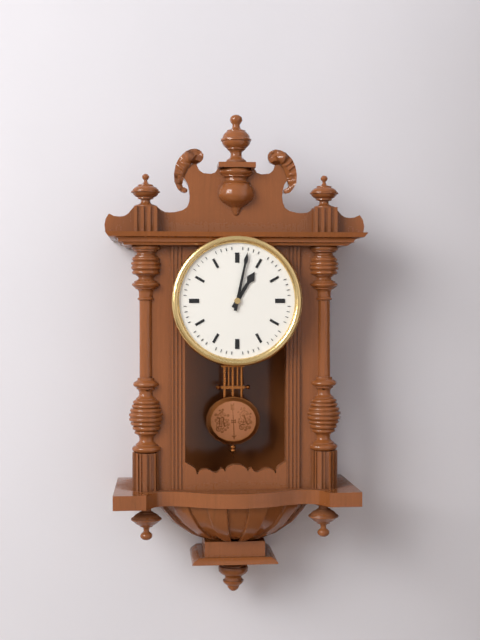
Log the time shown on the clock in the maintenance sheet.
1:02
